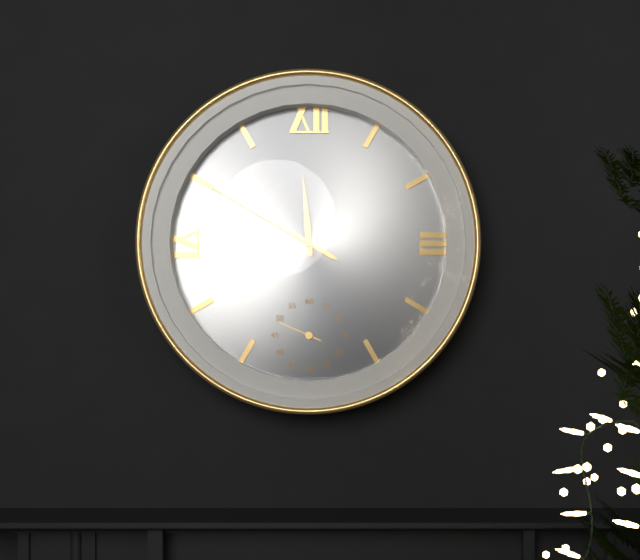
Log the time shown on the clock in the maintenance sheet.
11:50
